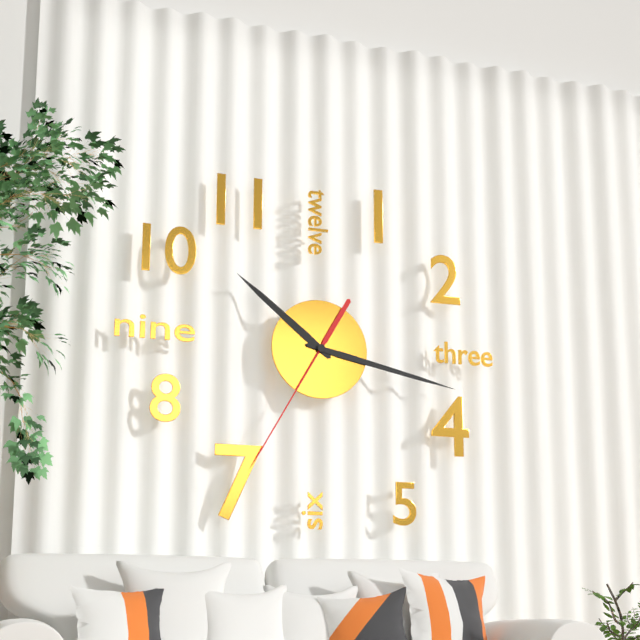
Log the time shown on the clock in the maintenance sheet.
10:17:35
